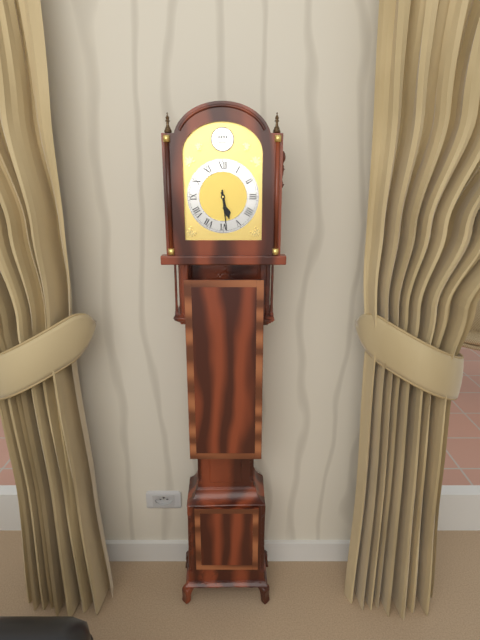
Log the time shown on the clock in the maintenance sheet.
5:29
